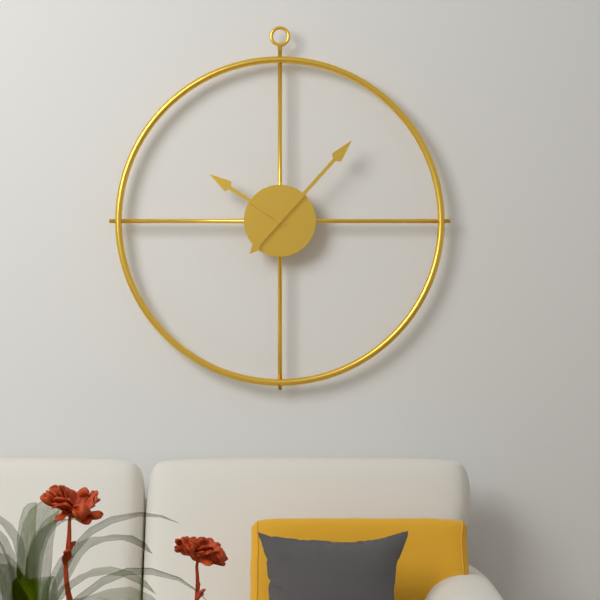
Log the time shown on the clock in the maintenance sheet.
10:07
